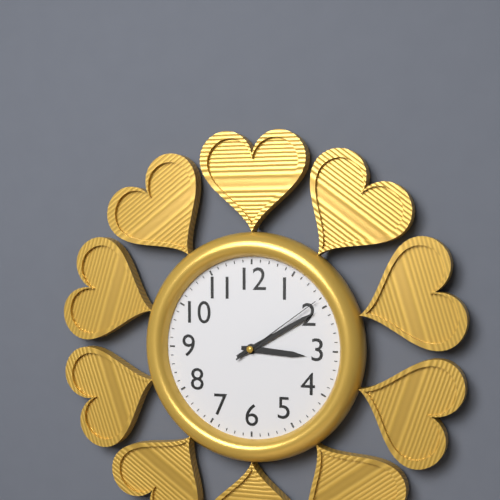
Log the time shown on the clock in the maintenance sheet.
3:10:09
